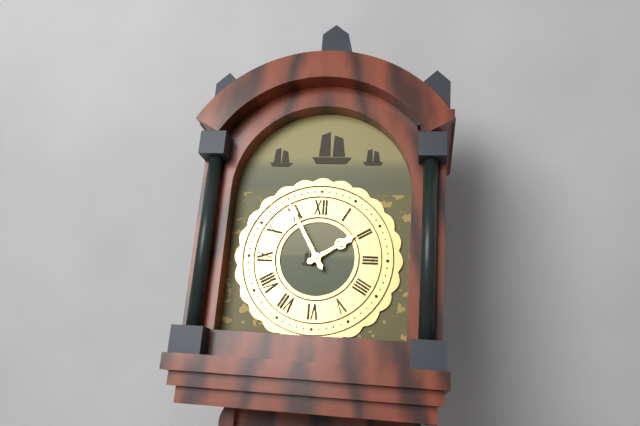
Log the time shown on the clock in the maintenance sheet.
1:55
